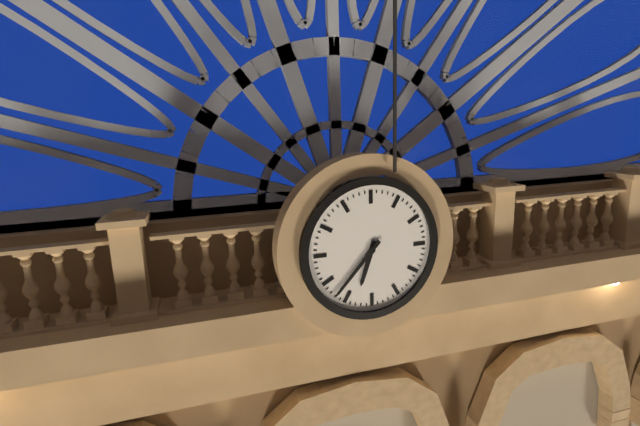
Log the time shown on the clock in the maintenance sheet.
6:37
